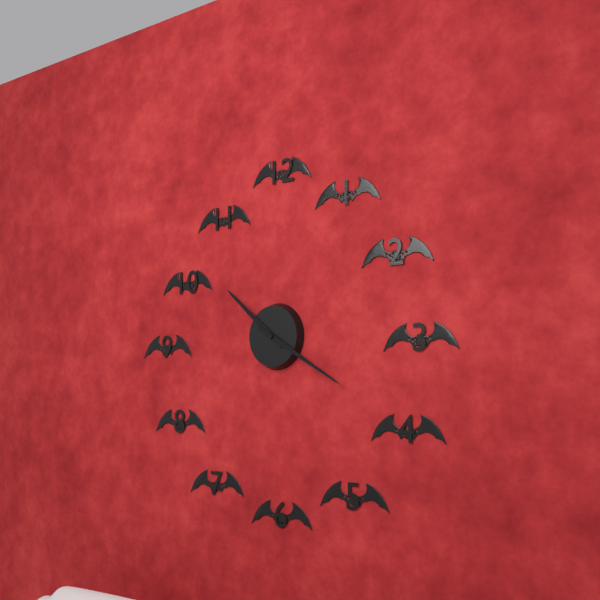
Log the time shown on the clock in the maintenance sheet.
10:20
